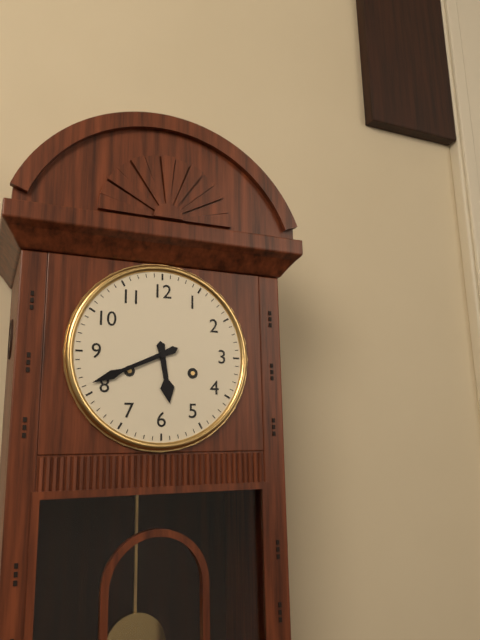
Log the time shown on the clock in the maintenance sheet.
5:41
